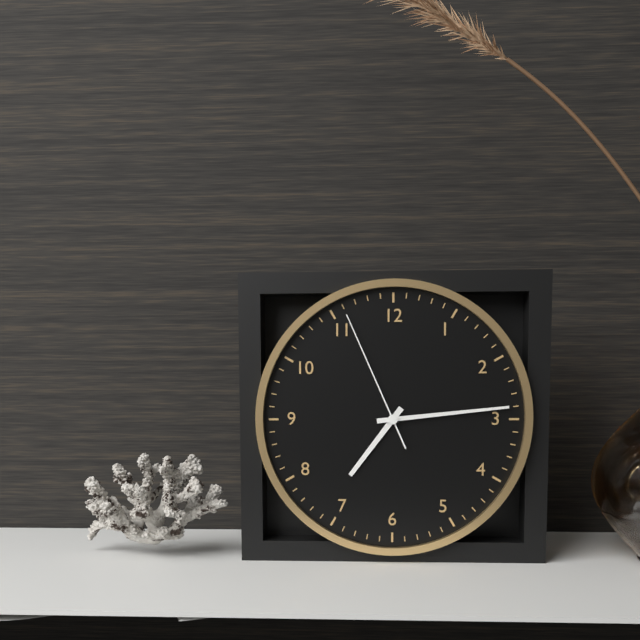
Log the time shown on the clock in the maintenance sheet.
7:14:56
